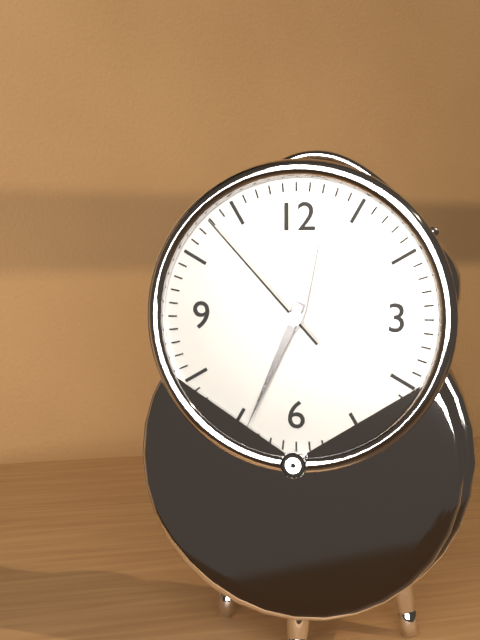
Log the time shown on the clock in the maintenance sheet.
12:34:53
